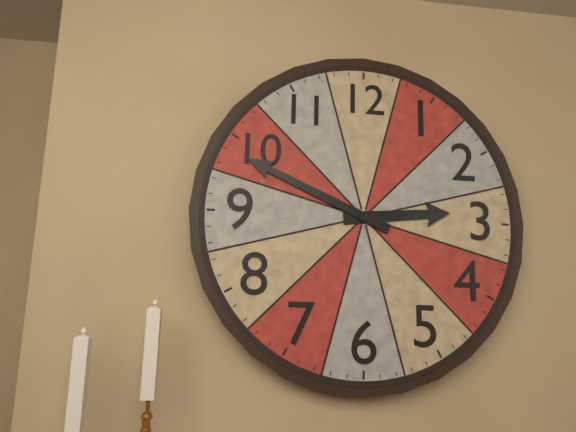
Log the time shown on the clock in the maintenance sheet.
2:49
